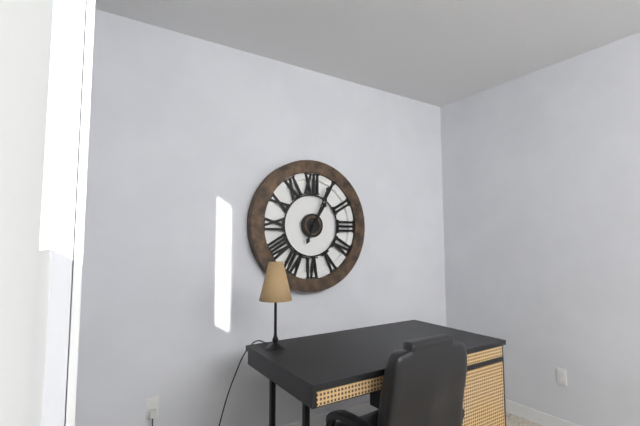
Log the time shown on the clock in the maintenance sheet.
1:04
